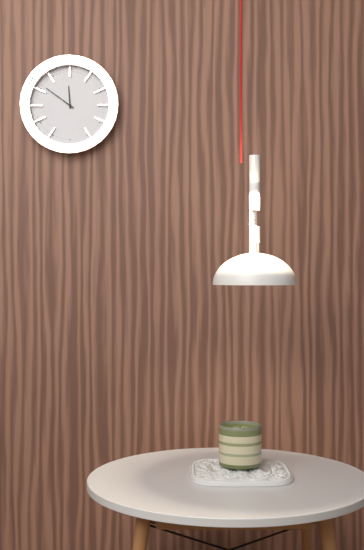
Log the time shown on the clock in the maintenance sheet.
11:51
